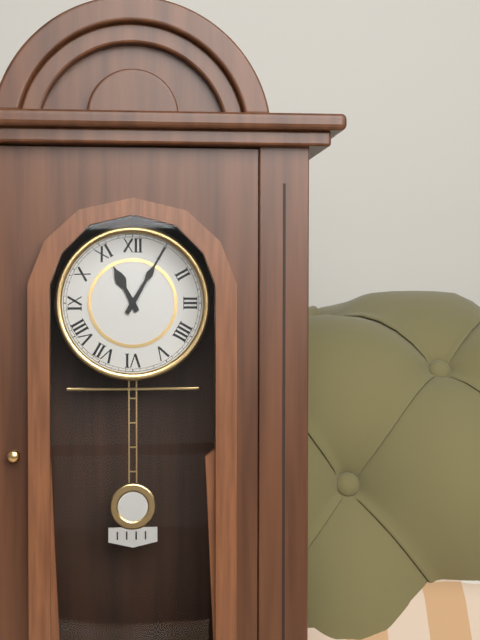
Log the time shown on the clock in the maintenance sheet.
11:05
